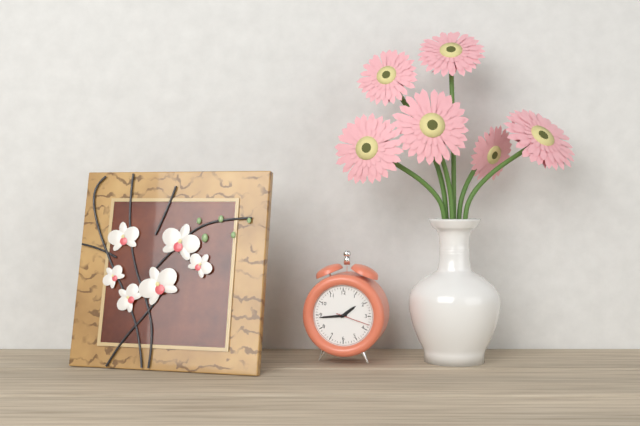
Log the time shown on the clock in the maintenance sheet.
1:44
